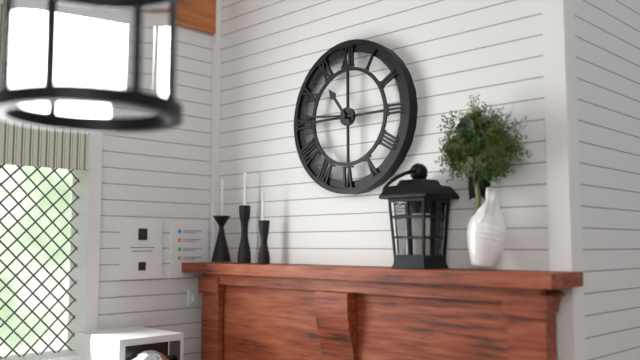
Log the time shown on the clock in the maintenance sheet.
10:46
